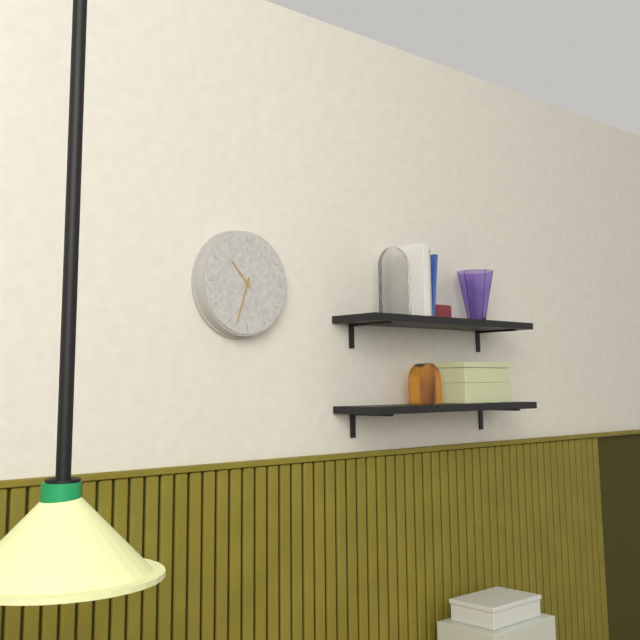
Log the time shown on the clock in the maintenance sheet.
10:33
